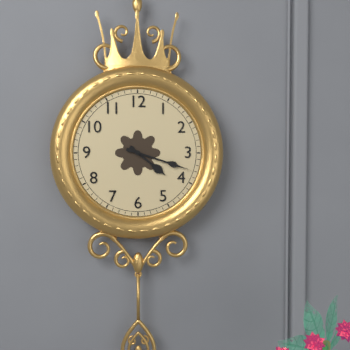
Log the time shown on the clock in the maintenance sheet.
4:18
